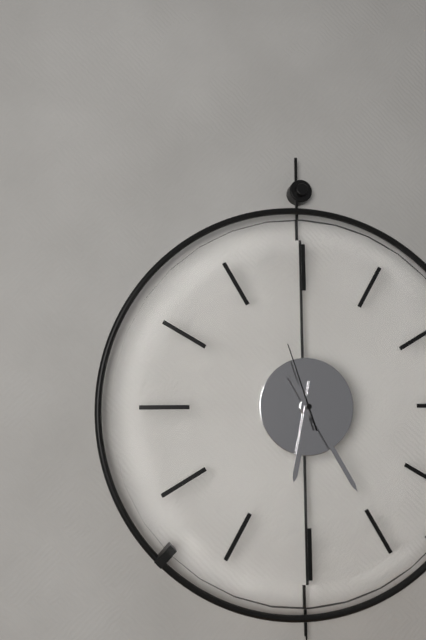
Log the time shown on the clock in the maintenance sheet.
6:25:57
